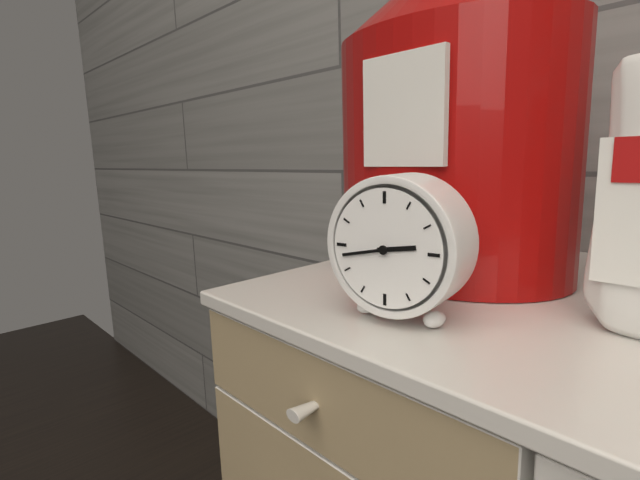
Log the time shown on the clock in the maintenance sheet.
2:43
